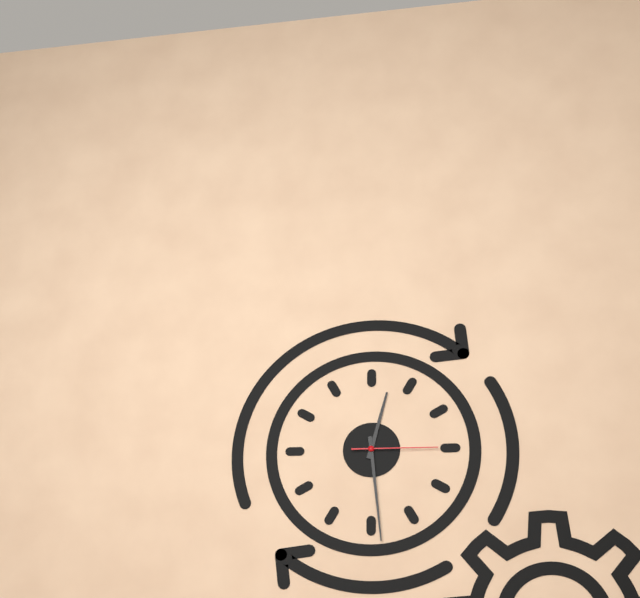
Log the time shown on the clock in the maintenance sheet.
12:29:15
